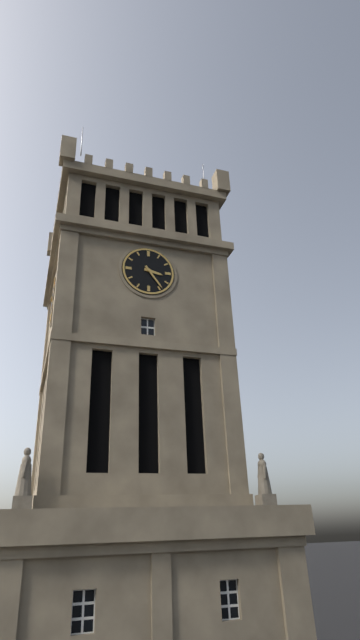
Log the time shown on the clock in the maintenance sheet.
3:24
